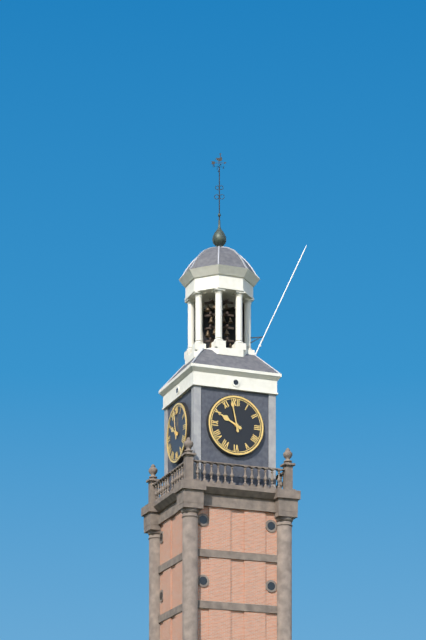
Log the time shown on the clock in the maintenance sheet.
9:58
